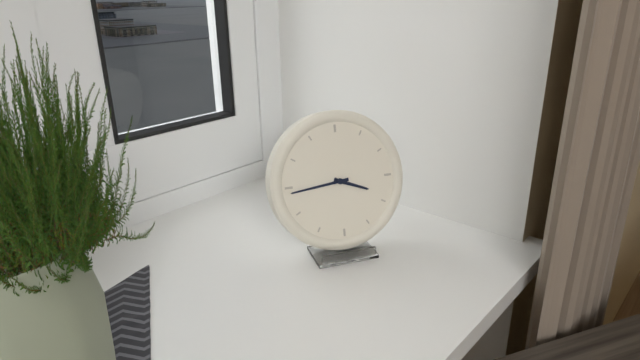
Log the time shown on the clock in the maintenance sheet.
3:44
